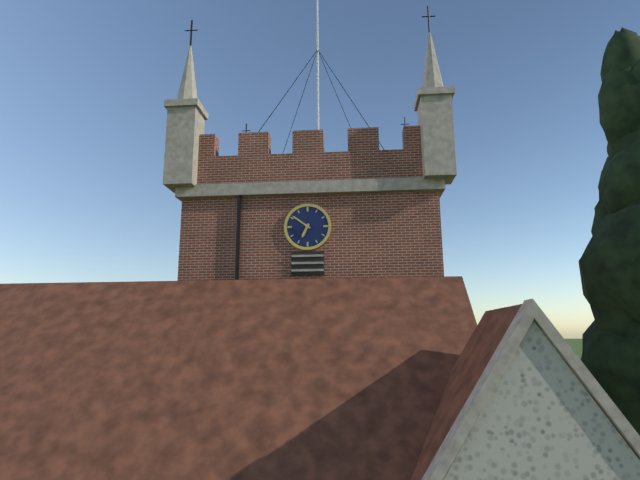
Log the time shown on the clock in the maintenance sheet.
6:51
